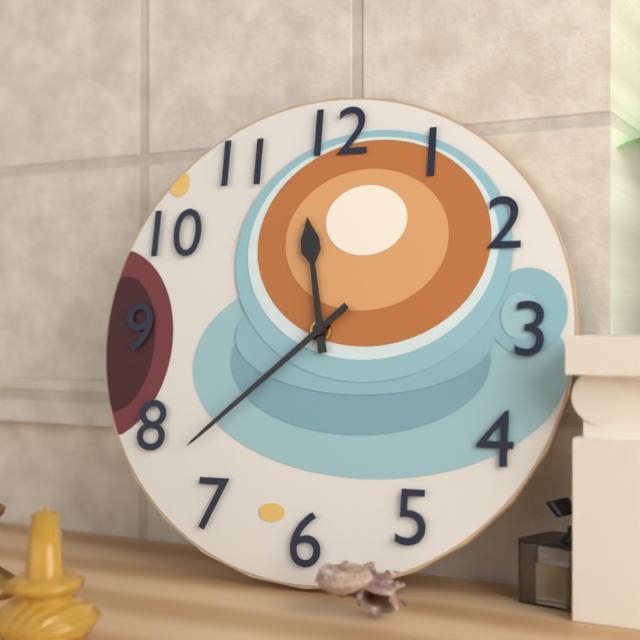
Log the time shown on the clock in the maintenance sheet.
11:38
